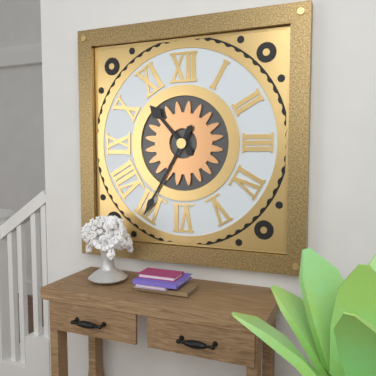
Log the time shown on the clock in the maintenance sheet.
10:35
